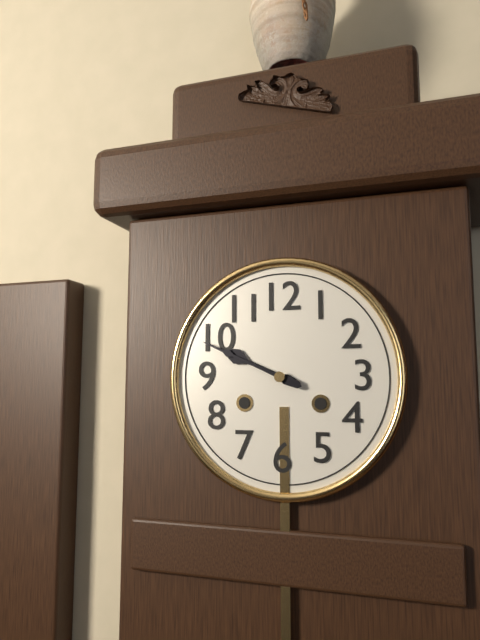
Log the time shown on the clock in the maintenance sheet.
9:49
